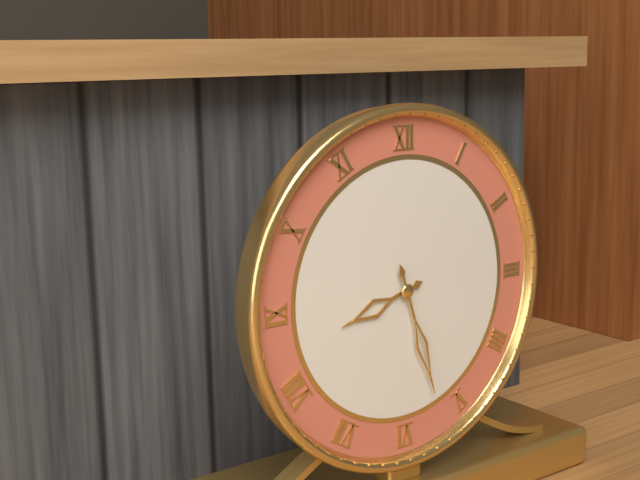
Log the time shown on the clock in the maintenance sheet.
8:27
